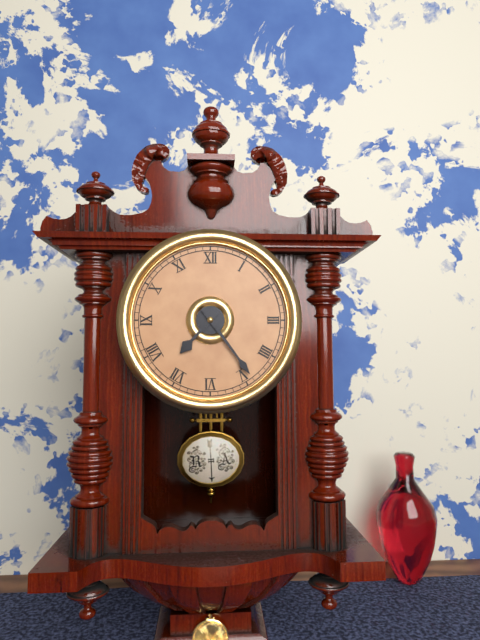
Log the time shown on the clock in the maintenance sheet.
7:24
